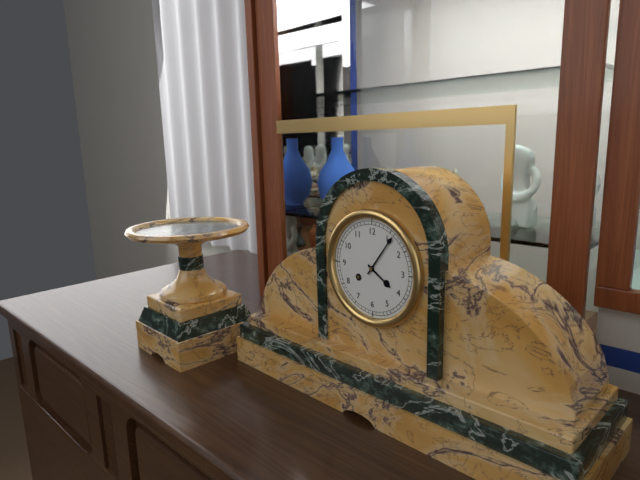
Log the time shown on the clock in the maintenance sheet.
4:06
